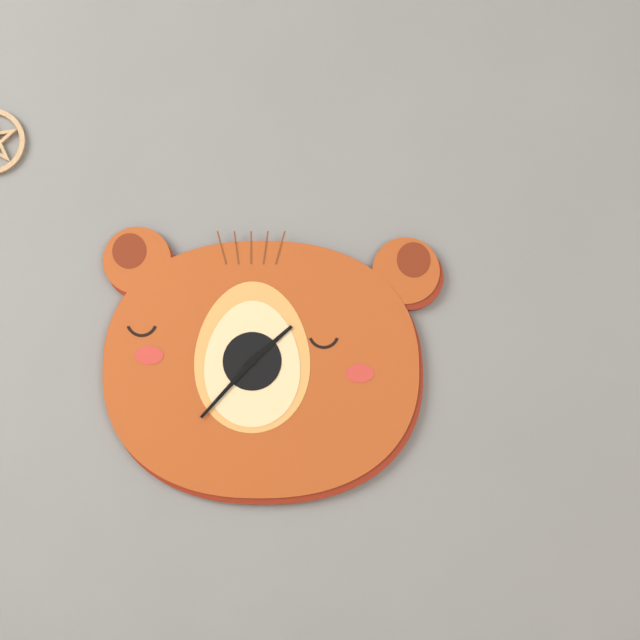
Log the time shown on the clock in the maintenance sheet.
1:37
